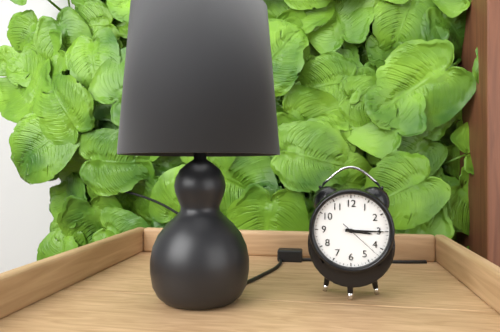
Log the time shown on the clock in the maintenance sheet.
3:15
